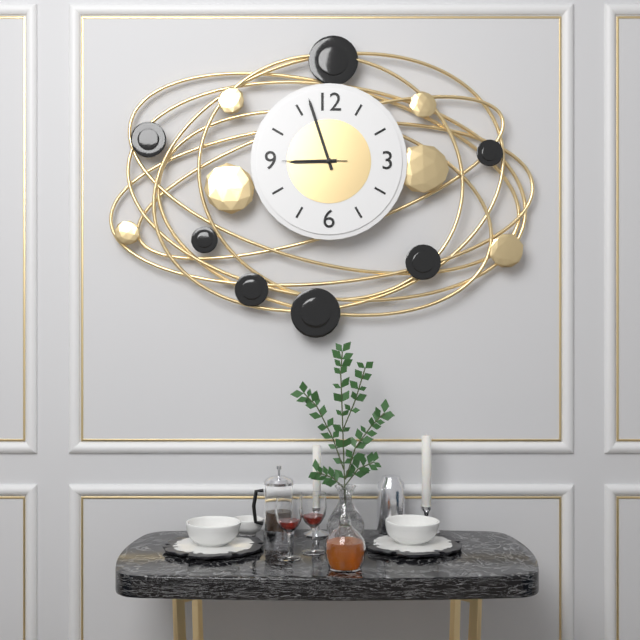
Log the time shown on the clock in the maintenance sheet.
8:57:45
